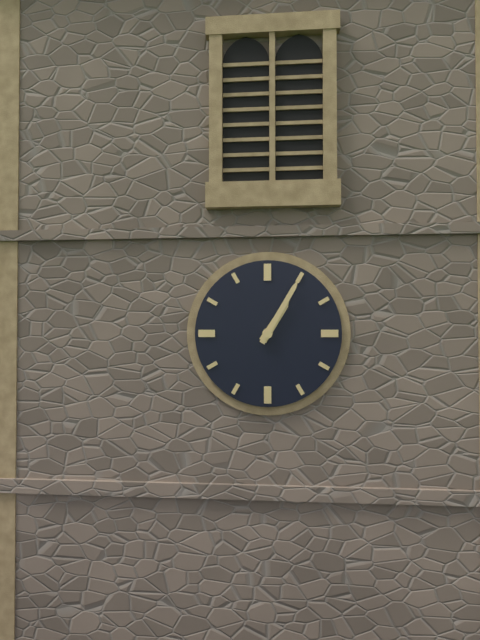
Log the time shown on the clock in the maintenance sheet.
1:05
